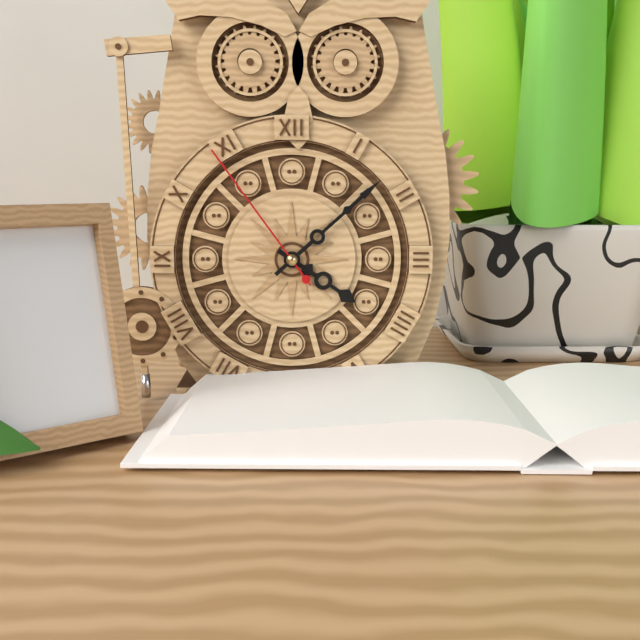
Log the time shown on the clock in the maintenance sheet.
4:08:54
